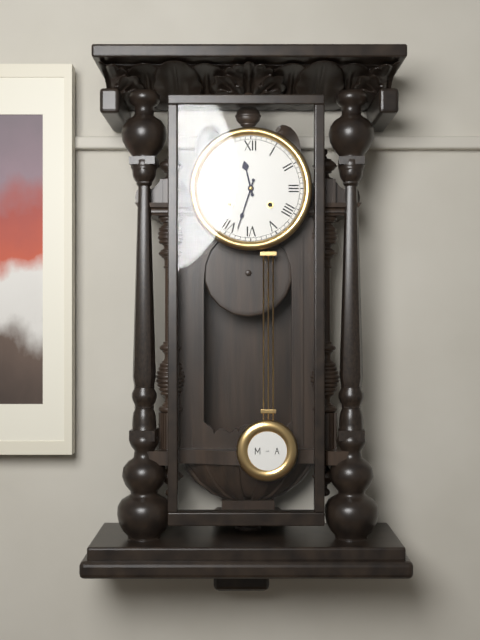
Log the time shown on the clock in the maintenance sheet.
11:33
